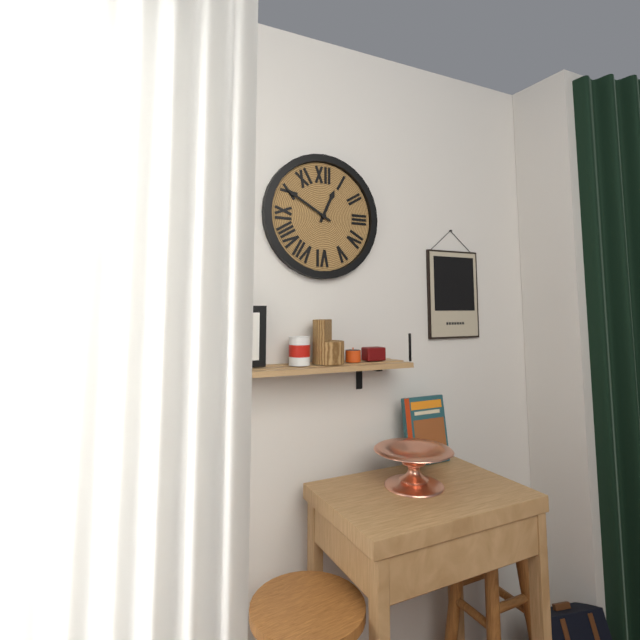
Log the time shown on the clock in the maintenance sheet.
12:50
